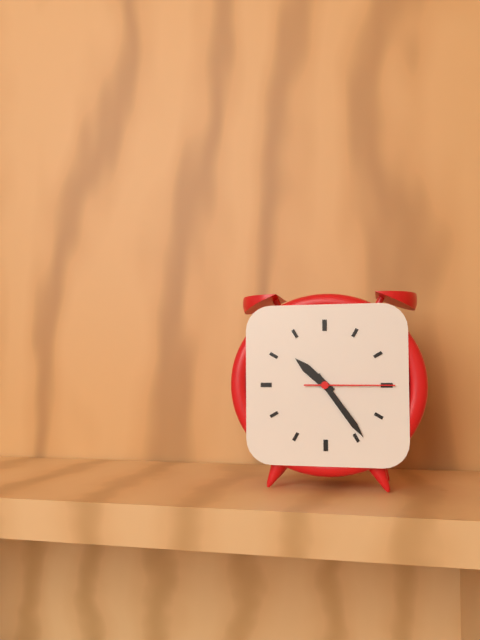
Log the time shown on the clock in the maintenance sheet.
10:24:15
